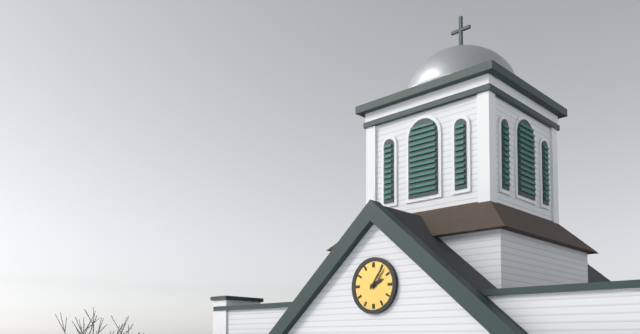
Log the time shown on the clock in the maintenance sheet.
2:06
